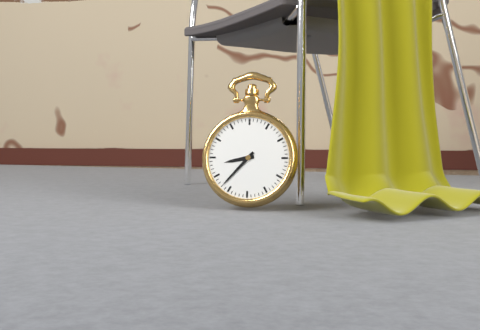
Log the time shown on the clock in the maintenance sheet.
8:37
